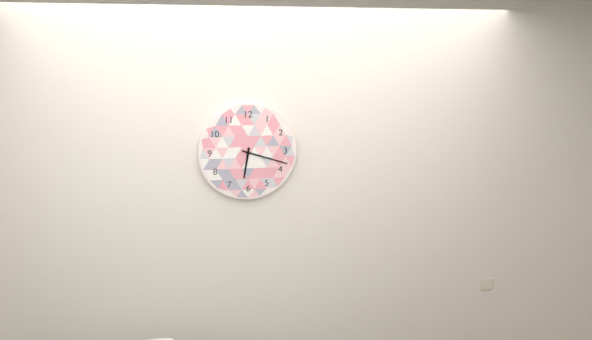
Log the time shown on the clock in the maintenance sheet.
6:18
